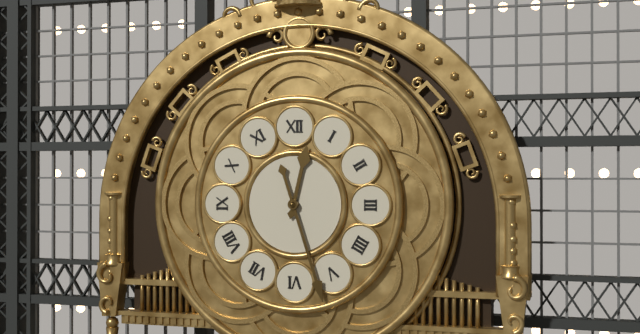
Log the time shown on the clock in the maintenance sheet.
12:27
